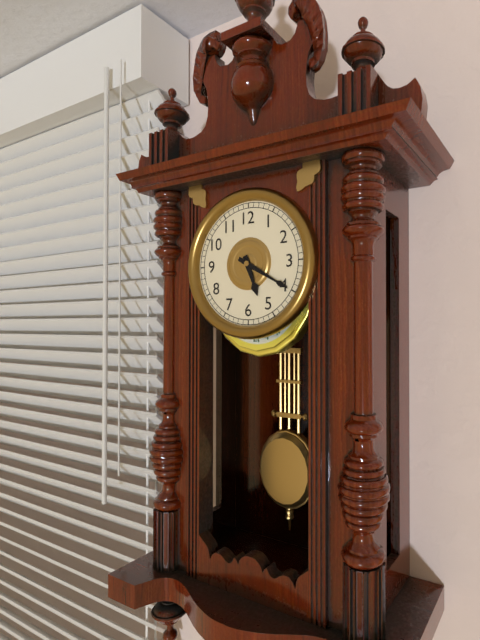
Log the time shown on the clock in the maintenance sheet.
5:20
